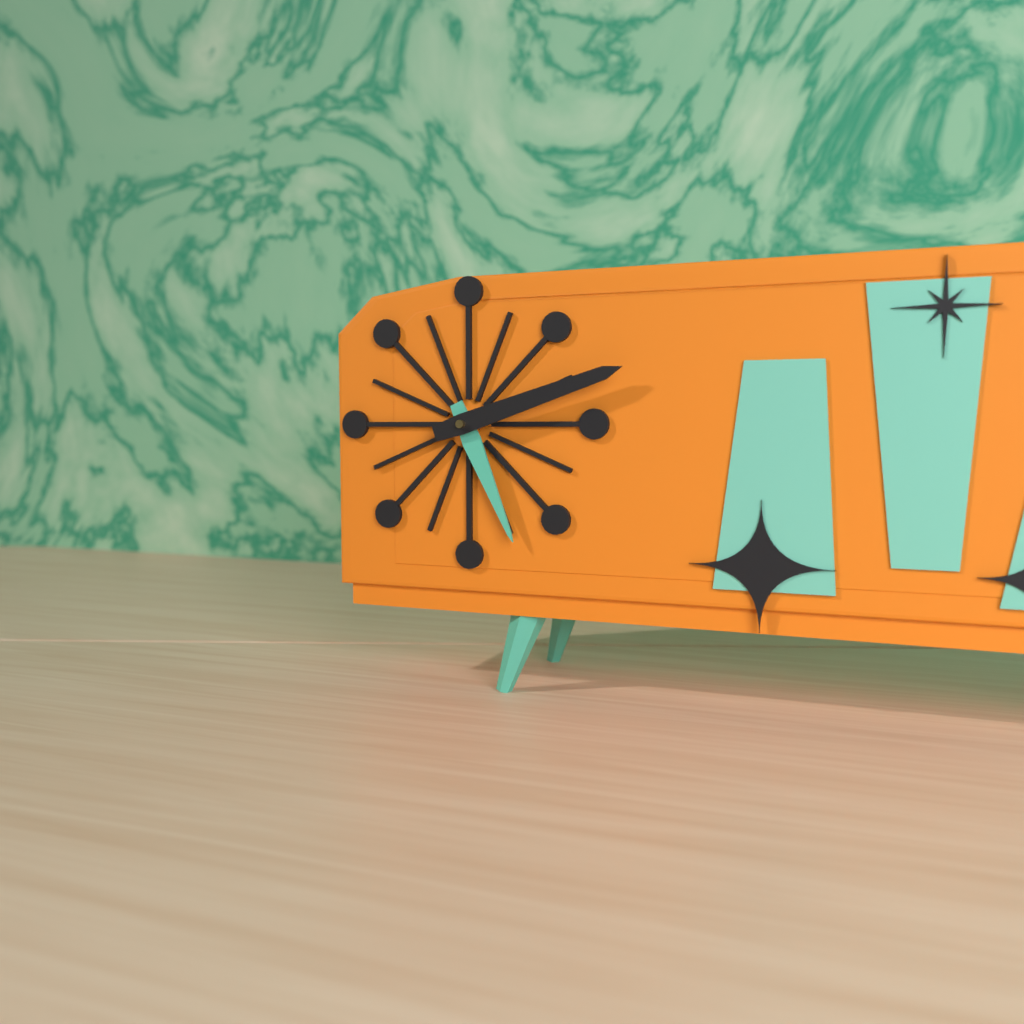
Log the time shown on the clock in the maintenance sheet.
5:12
